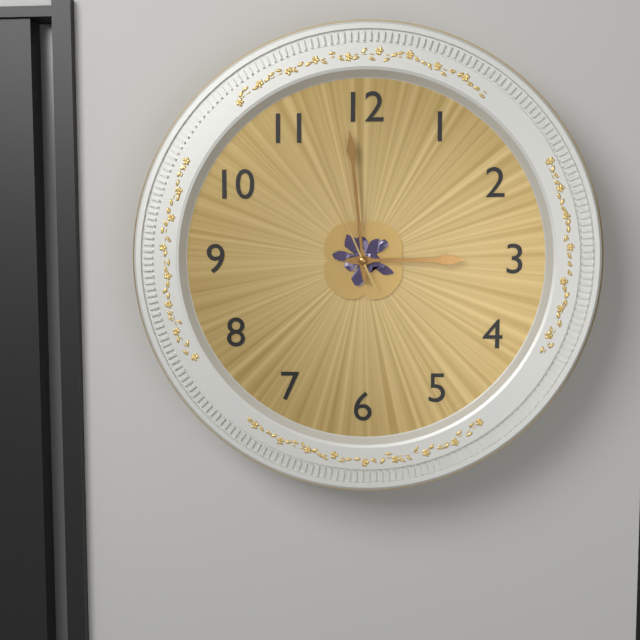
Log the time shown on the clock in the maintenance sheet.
2:59:56
